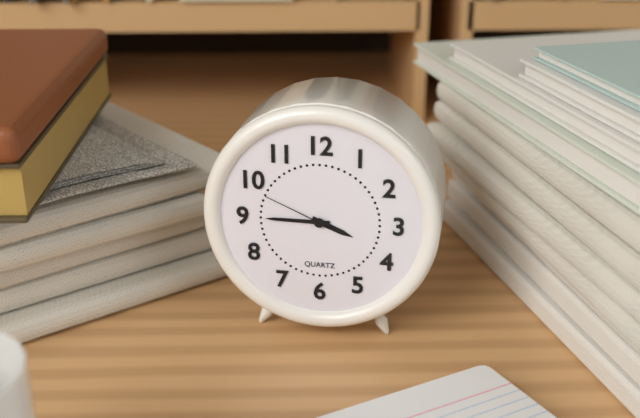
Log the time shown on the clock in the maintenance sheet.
3:45:49
